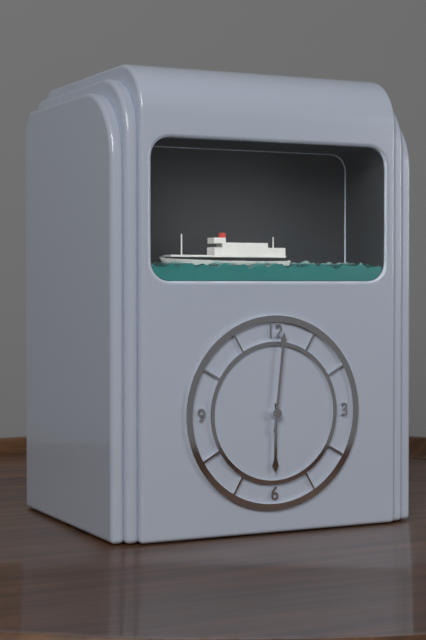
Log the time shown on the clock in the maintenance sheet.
6:01
